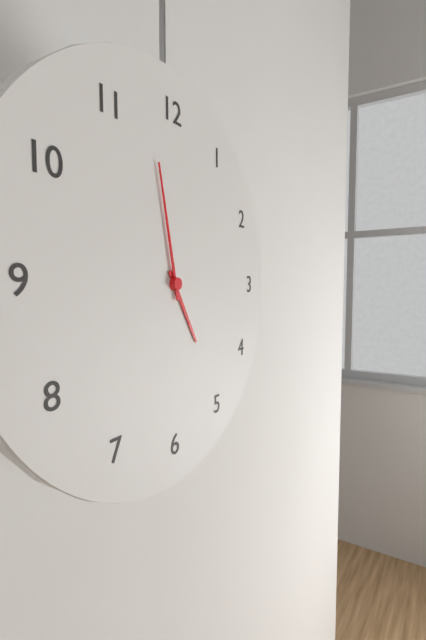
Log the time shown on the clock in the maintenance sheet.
4:58
